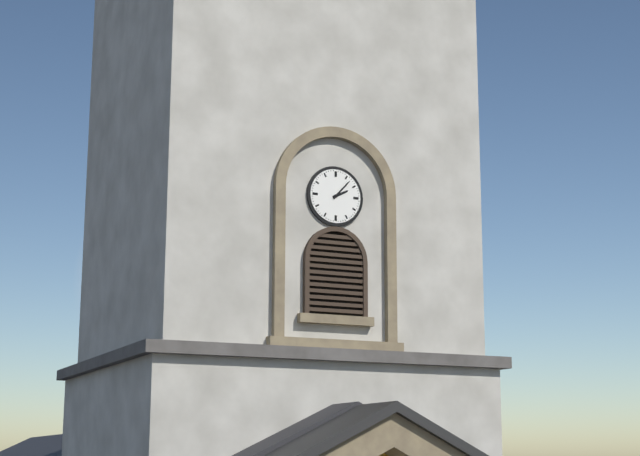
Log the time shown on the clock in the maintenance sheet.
2:07
